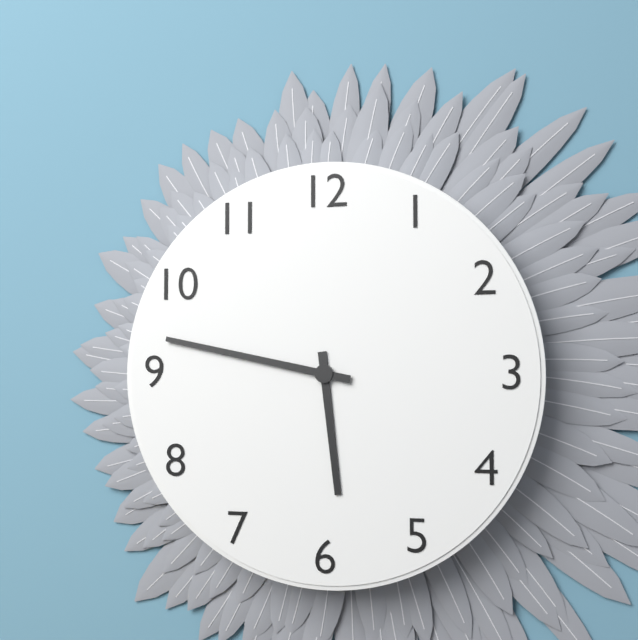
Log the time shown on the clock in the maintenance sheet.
5:47
